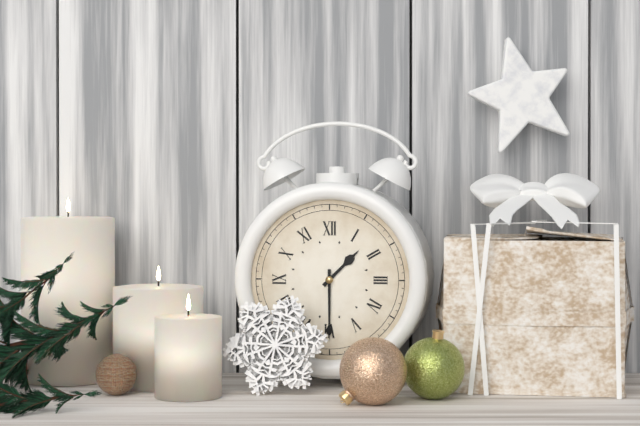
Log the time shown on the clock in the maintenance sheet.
1:30
